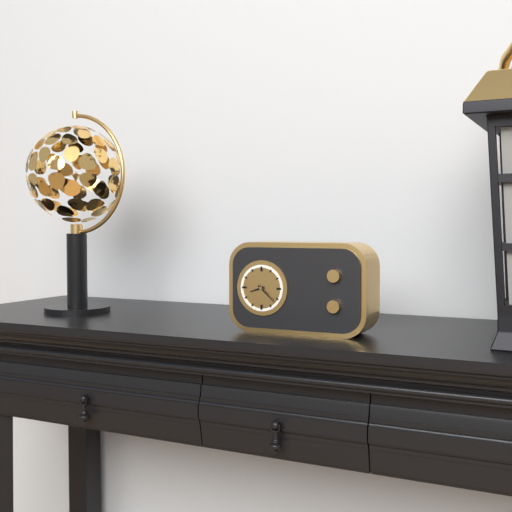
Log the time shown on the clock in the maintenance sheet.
8:22
